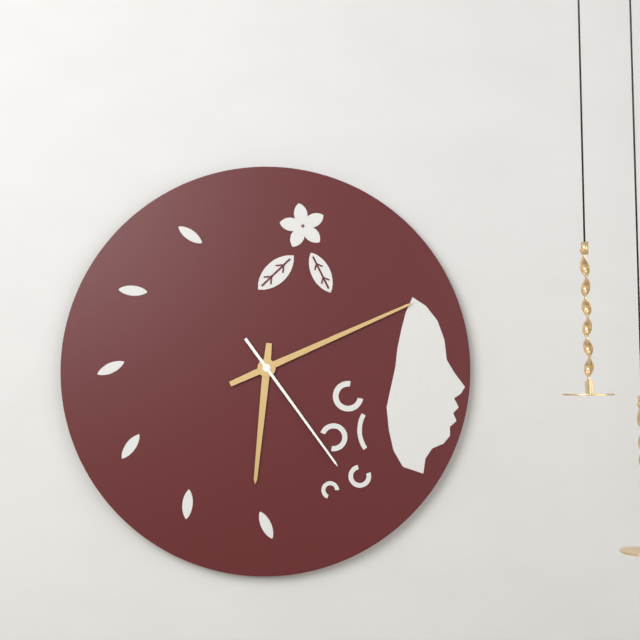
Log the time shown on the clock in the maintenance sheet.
6:11:24
